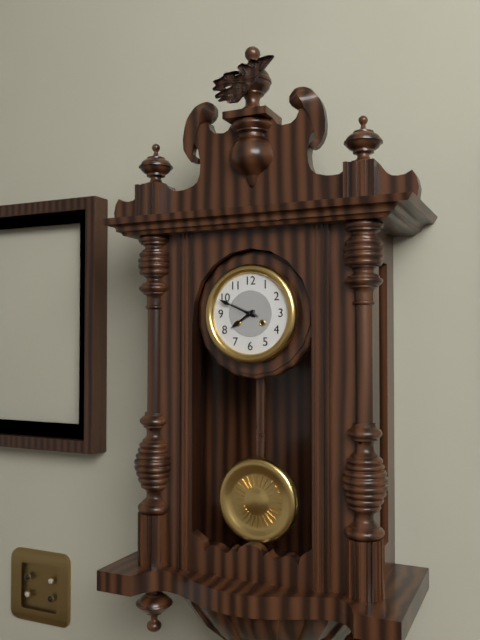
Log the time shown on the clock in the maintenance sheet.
7:49
